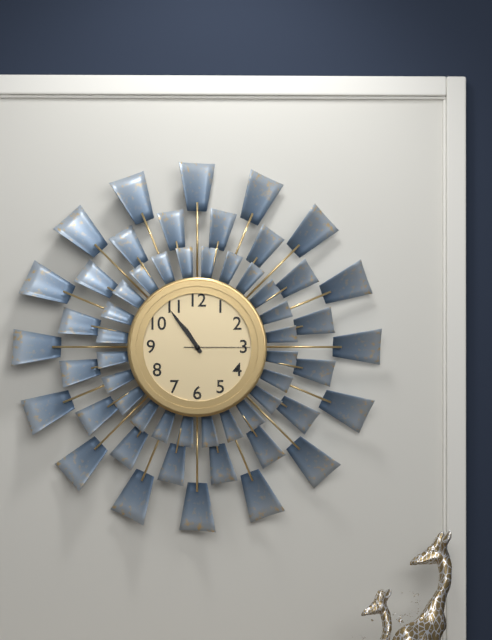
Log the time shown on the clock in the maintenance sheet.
10:54:15
